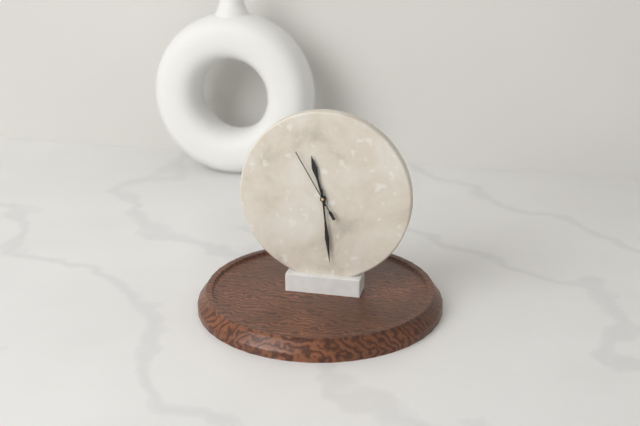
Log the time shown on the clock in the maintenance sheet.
11:29:55
